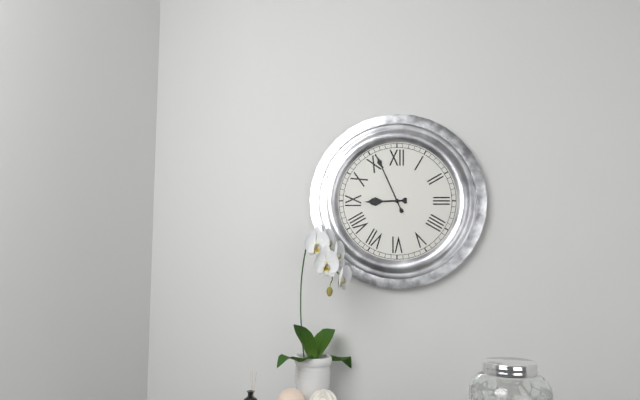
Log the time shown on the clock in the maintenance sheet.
8:56
